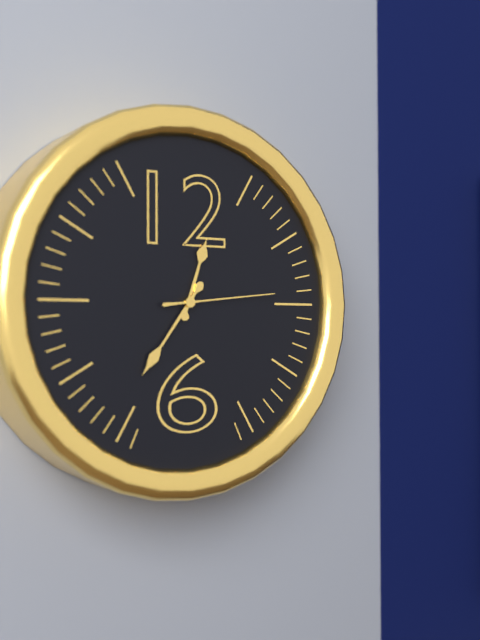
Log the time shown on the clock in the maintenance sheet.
12:36:14
